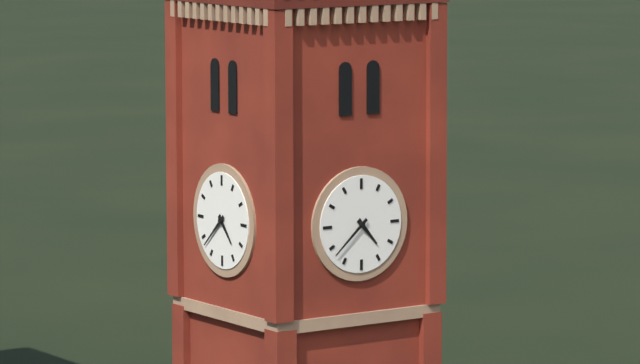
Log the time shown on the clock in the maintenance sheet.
4:38
